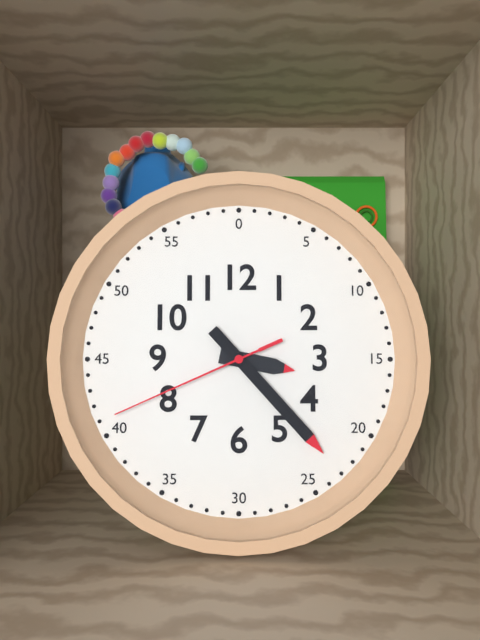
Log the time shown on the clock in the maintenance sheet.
3:23:41
